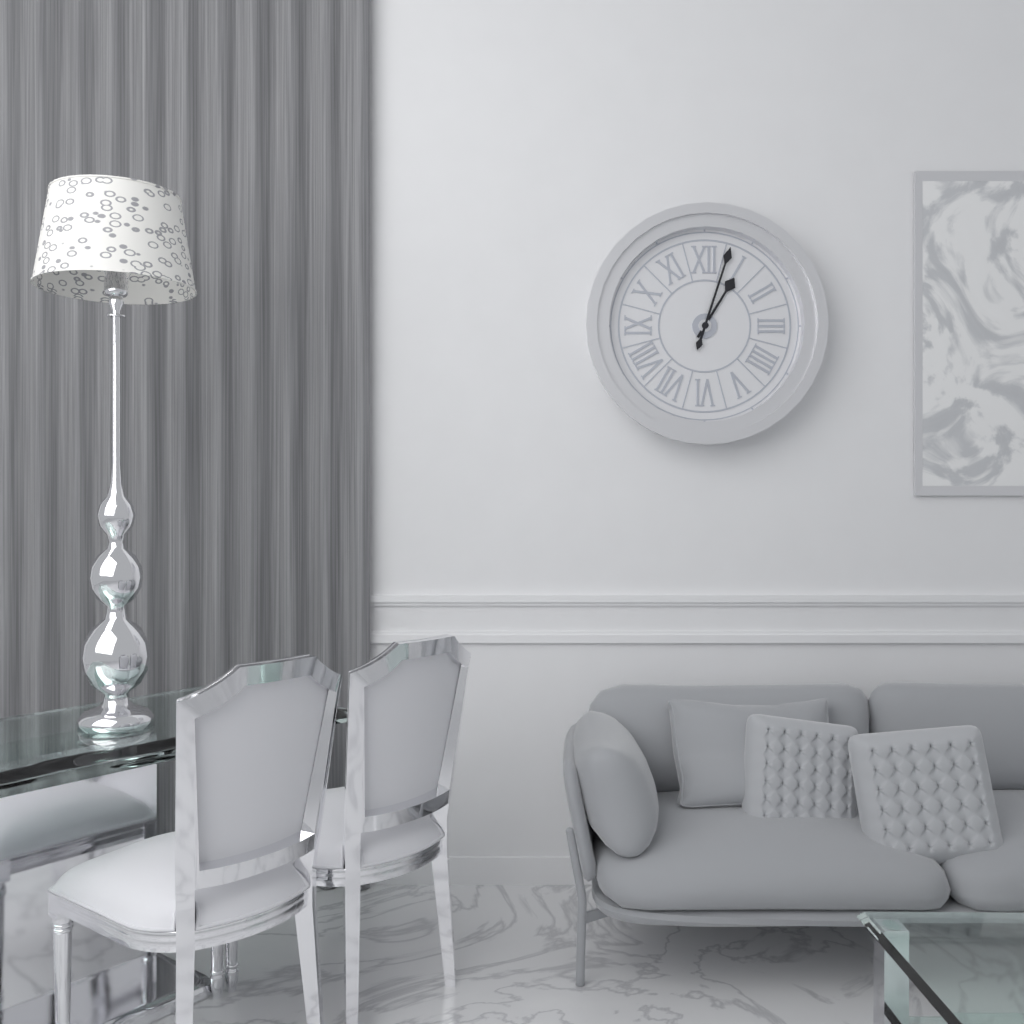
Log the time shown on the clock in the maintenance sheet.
1:03
